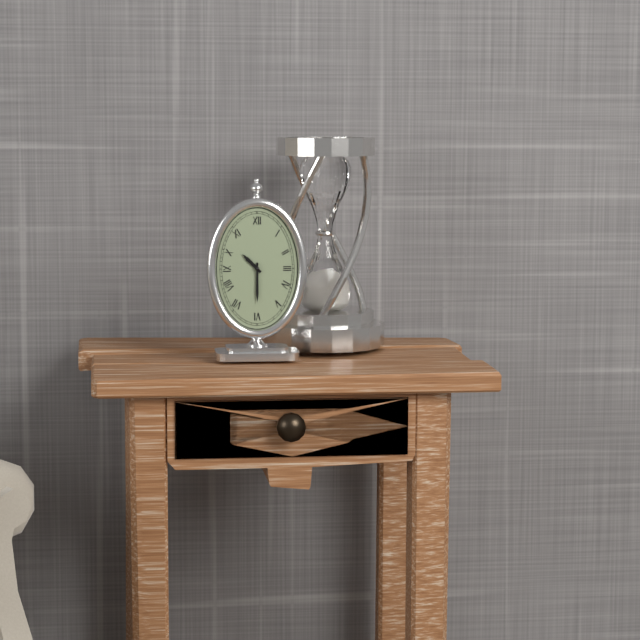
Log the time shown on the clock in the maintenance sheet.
10:30
